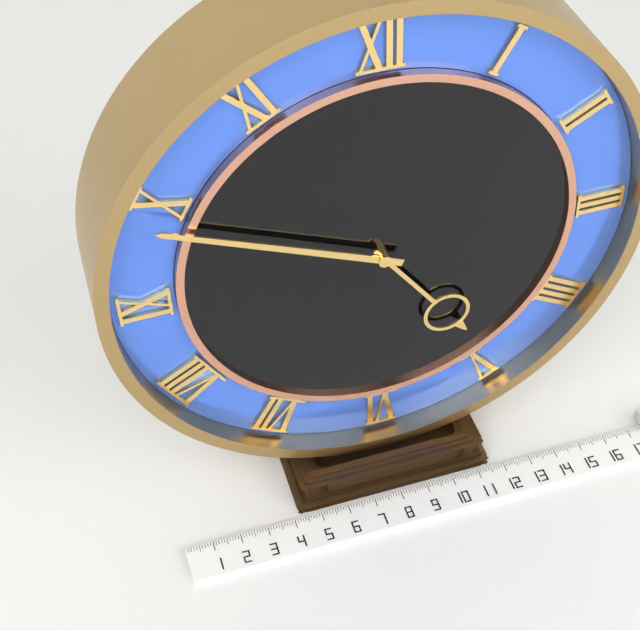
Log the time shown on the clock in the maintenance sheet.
4:49
